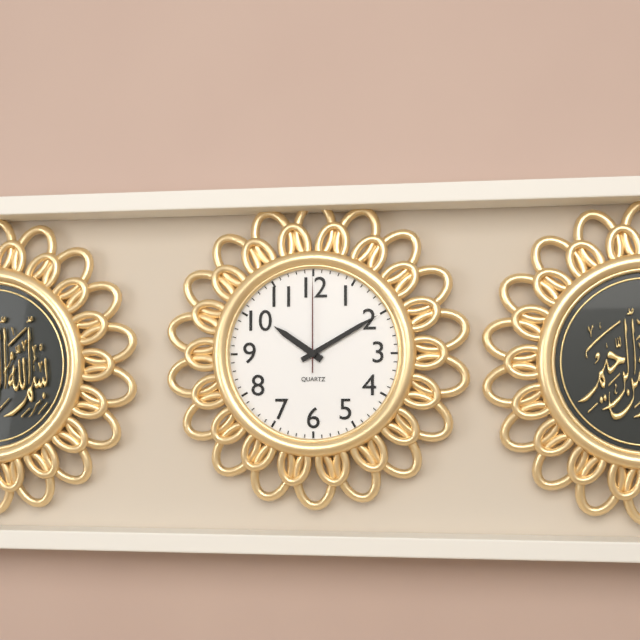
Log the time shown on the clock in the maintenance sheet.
10:10:00
